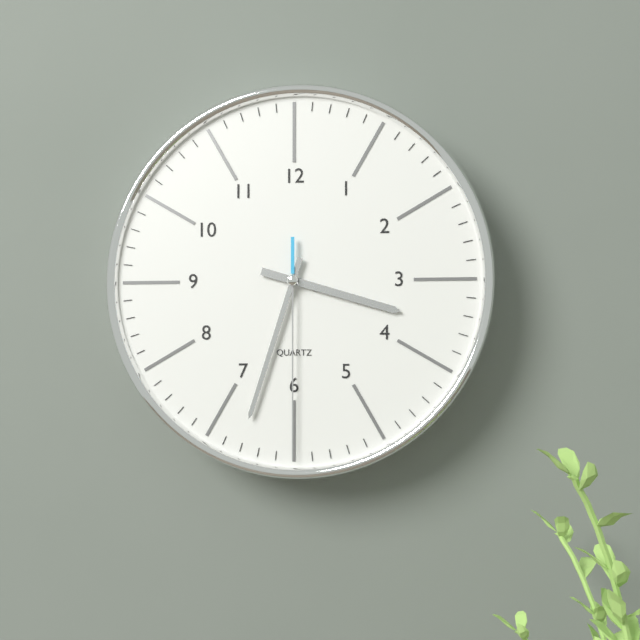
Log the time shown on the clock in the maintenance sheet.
3:33:30
